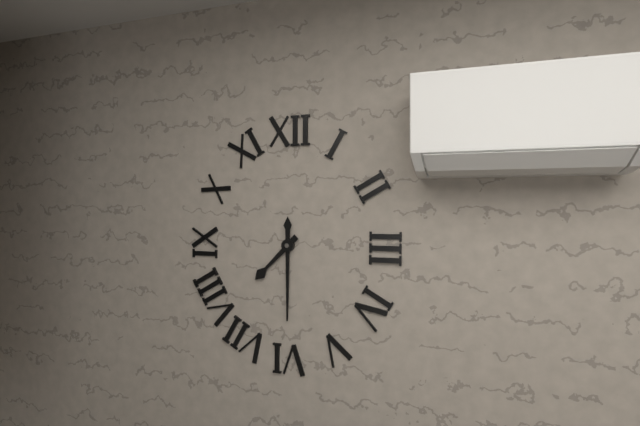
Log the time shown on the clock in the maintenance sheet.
7:30
